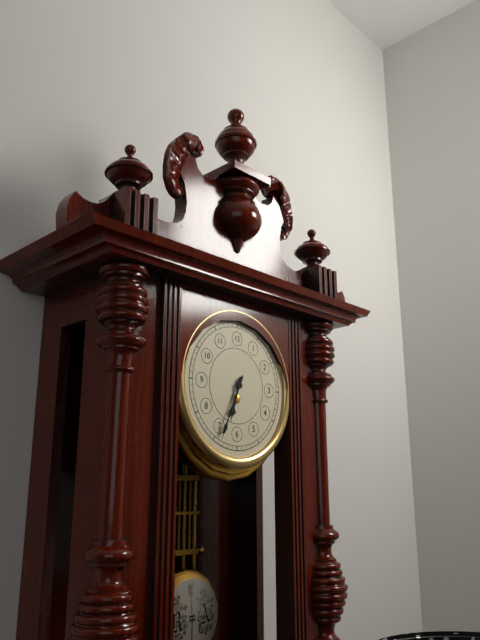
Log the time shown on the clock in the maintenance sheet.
6:34
